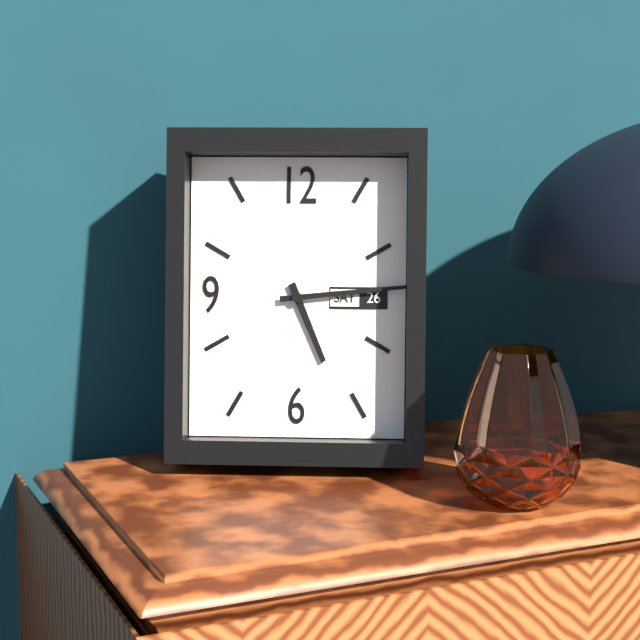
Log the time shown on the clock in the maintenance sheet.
5:14
